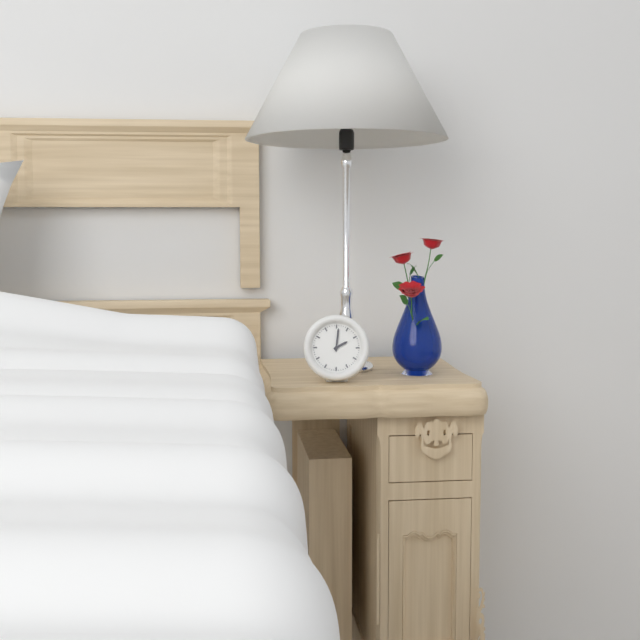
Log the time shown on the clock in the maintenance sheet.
2:01
